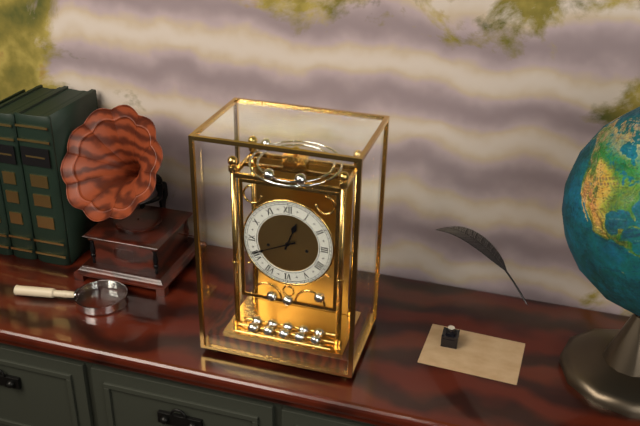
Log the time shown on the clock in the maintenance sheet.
12:41
